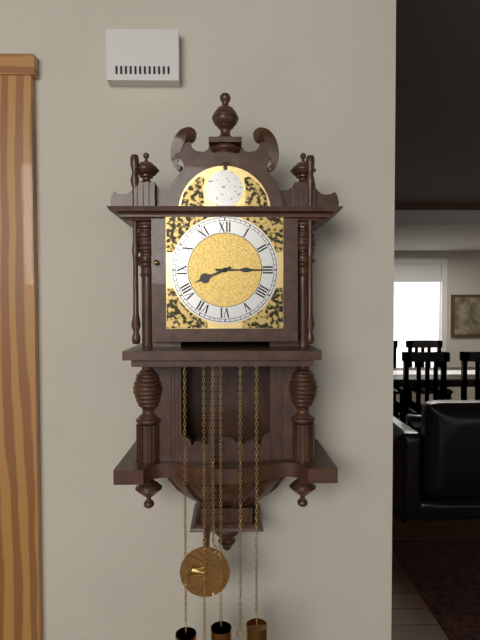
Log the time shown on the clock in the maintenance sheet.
8:15
